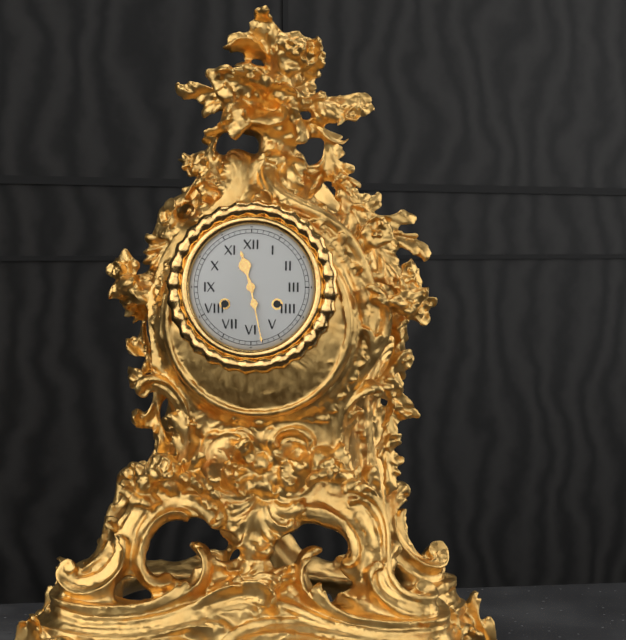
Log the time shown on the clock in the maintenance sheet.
11:28
